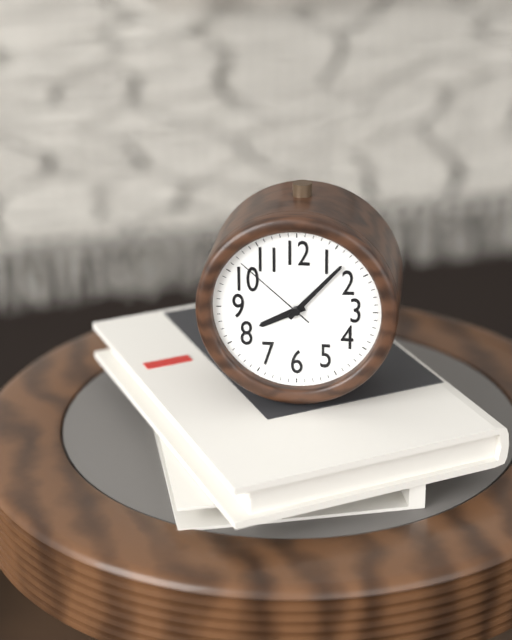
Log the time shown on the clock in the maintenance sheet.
8:07:52
